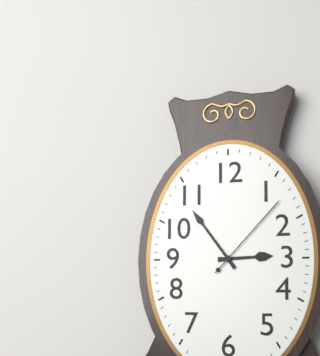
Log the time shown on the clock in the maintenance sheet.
2:54:07
